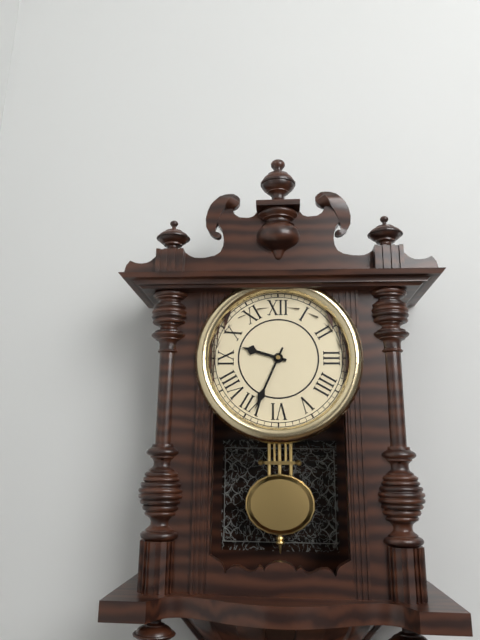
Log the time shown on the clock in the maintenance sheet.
9:34
